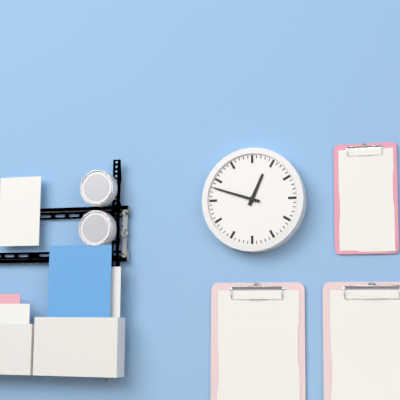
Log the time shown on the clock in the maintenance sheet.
12:48
